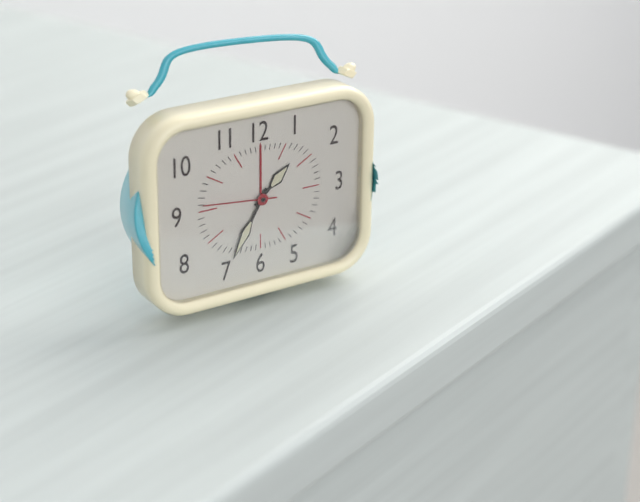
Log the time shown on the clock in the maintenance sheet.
1:35:46
